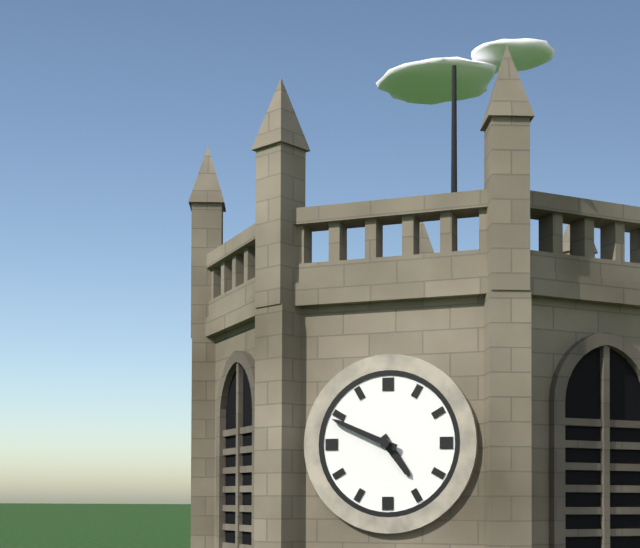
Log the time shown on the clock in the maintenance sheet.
4:49
